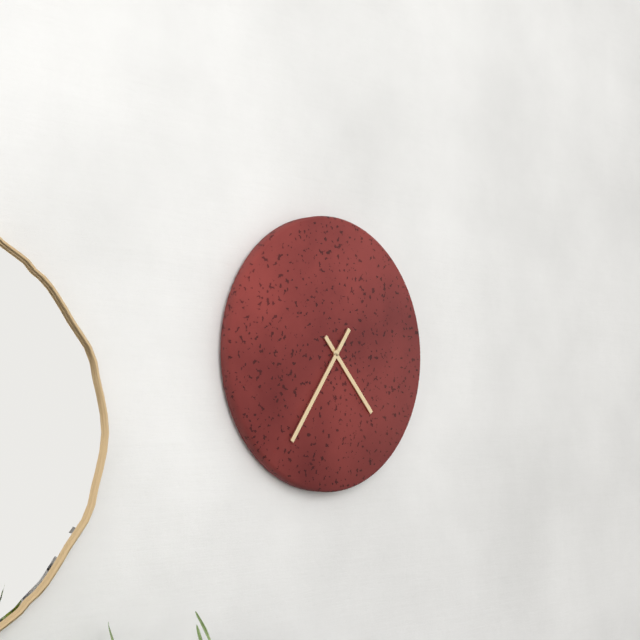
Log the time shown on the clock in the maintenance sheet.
4:36
